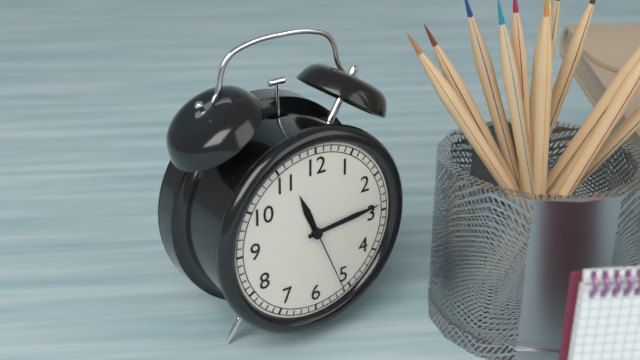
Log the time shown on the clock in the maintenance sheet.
11:14:26
